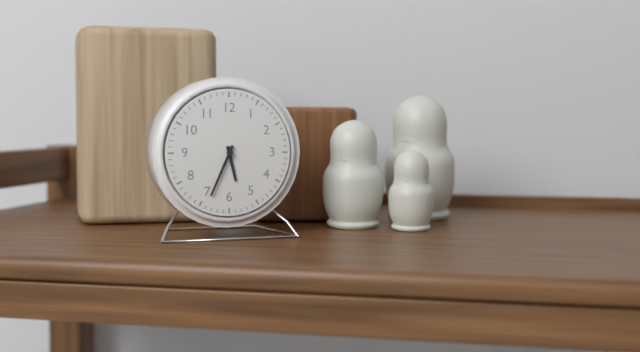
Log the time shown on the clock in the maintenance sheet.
5:34
